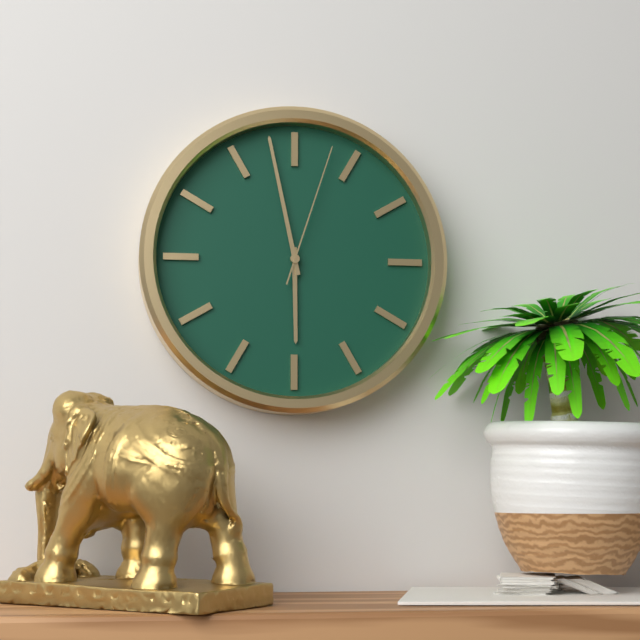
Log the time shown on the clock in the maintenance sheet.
5:58:03
